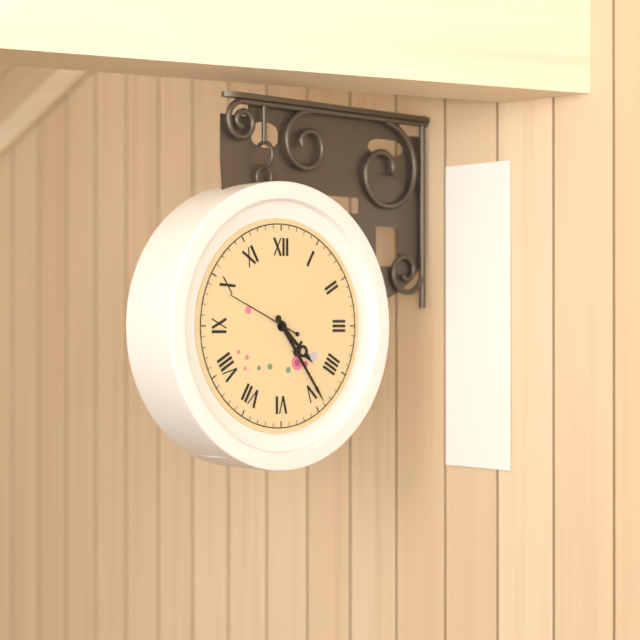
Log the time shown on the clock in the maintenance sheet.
4:24:49
